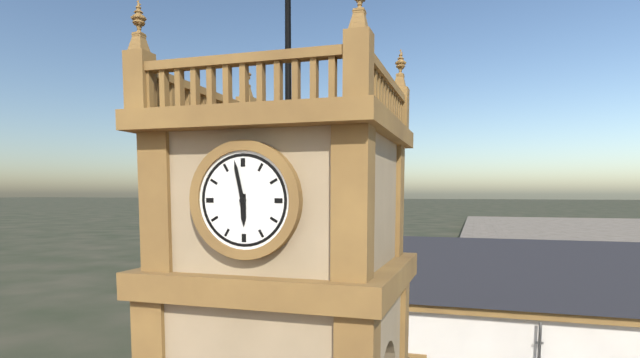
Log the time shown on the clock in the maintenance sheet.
5:58
